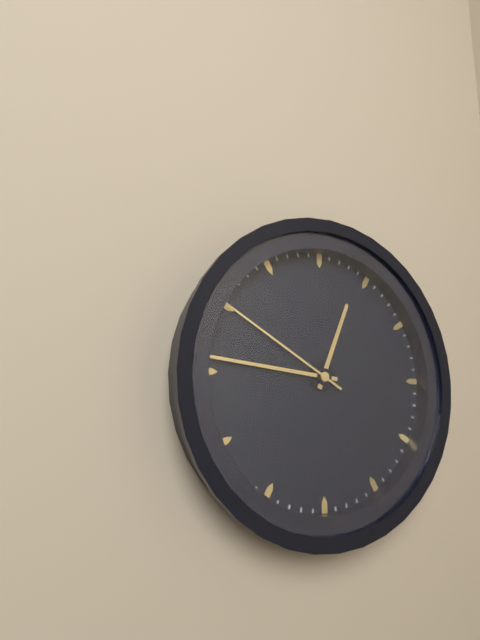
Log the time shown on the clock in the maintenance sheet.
12:46:50
